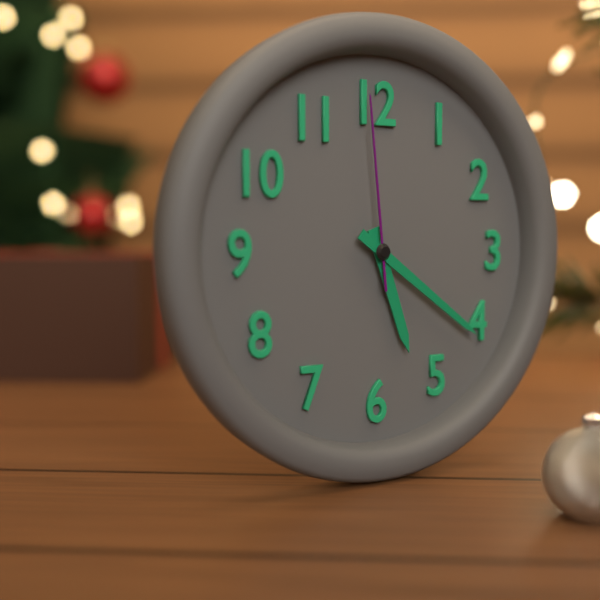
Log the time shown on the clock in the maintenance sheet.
5:21:59
